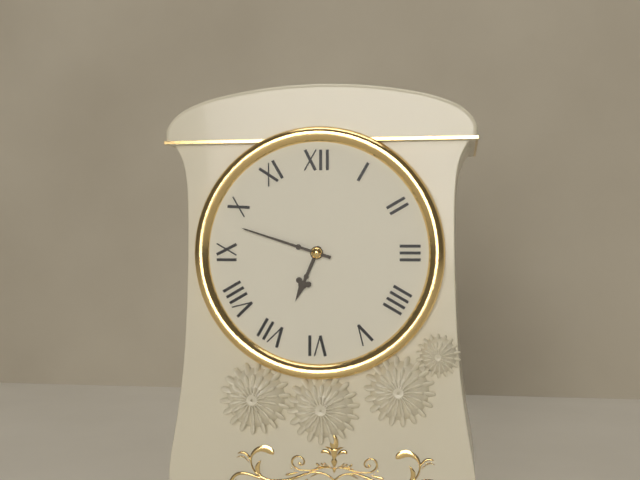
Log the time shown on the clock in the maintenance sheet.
6:48
